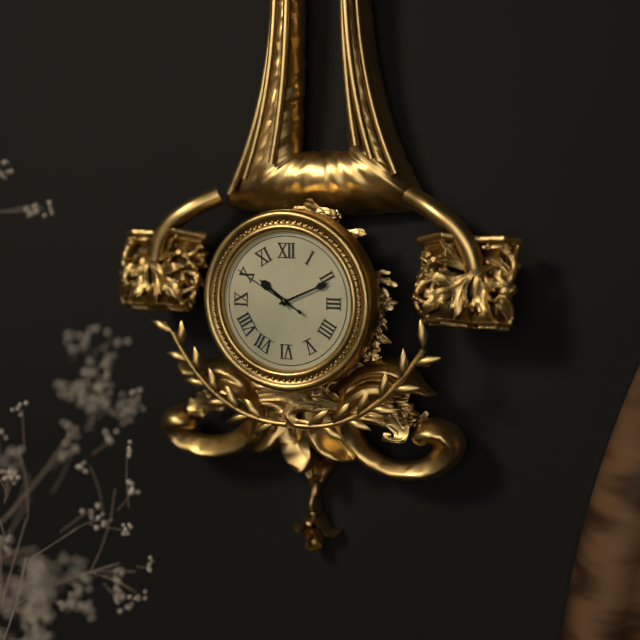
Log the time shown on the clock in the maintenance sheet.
10:11:50
